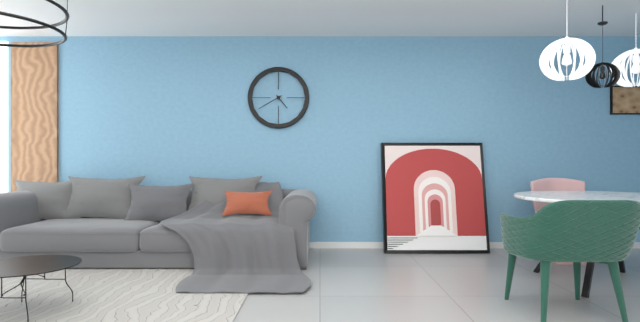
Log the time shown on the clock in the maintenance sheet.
4:40
